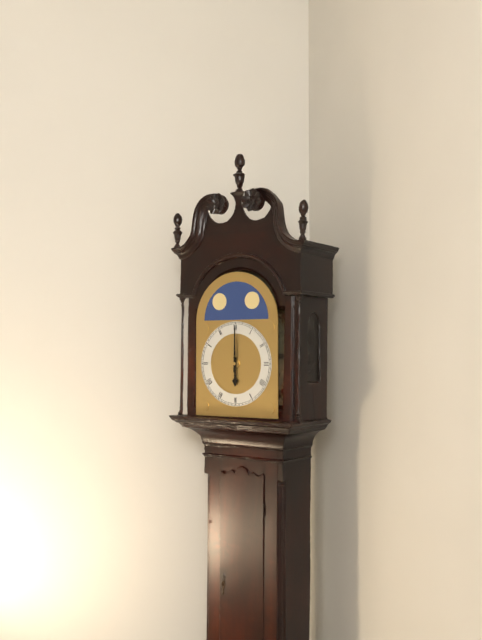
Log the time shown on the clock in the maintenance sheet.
6:00
